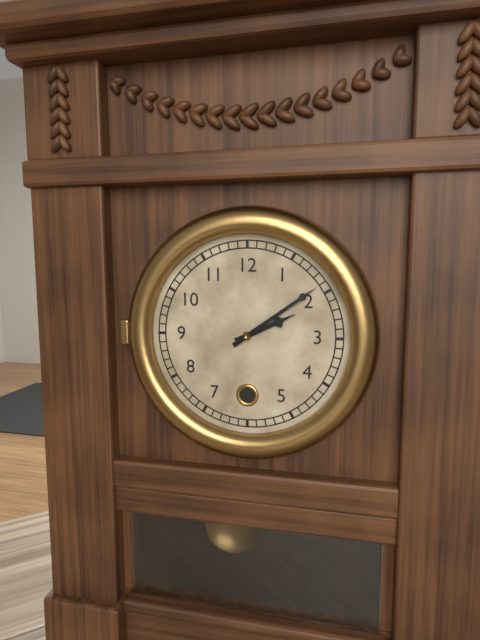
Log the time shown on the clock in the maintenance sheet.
2:09
